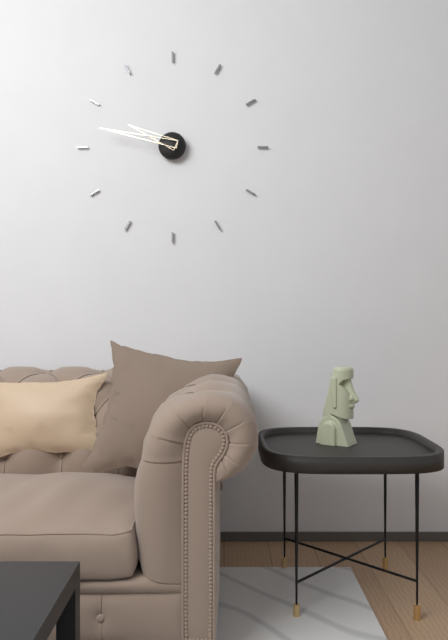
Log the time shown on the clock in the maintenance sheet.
9:47
